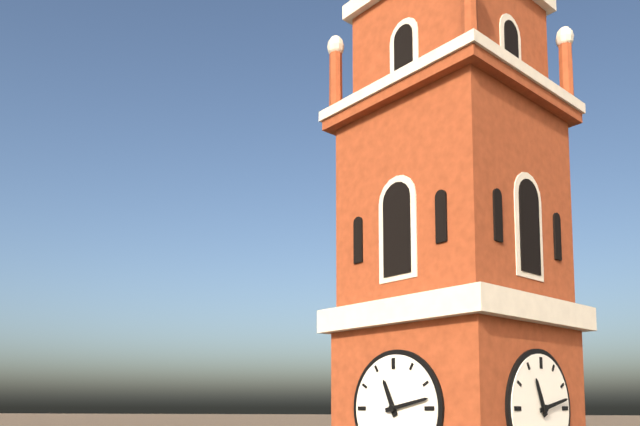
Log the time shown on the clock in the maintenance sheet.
11:13
